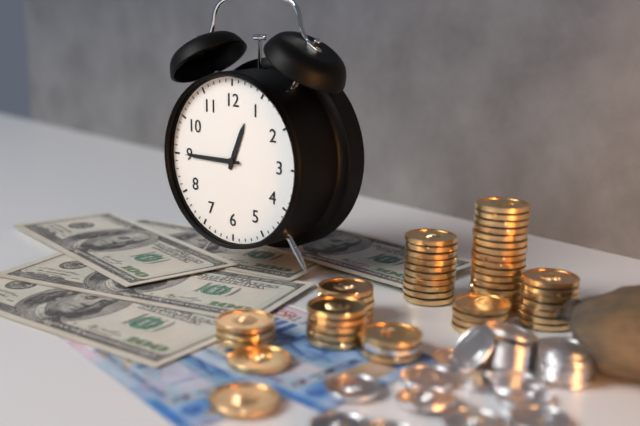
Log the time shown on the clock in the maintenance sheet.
12:45
